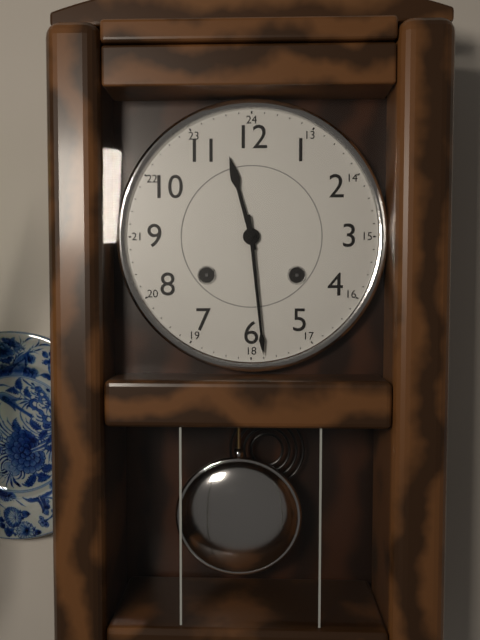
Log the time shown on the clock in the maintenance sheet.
11:29
